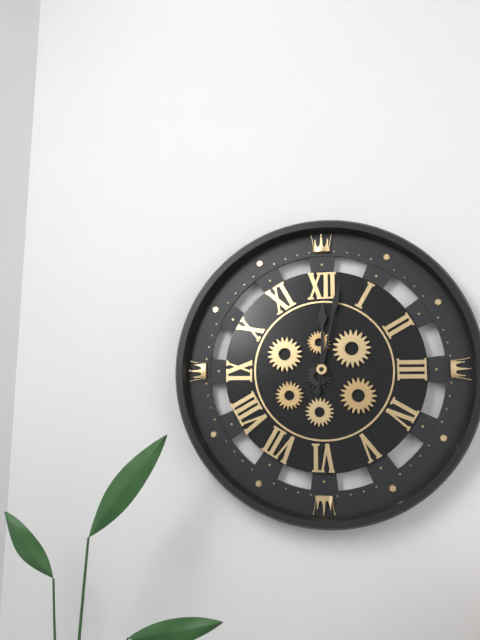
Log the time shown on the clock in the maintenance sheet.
12:02
